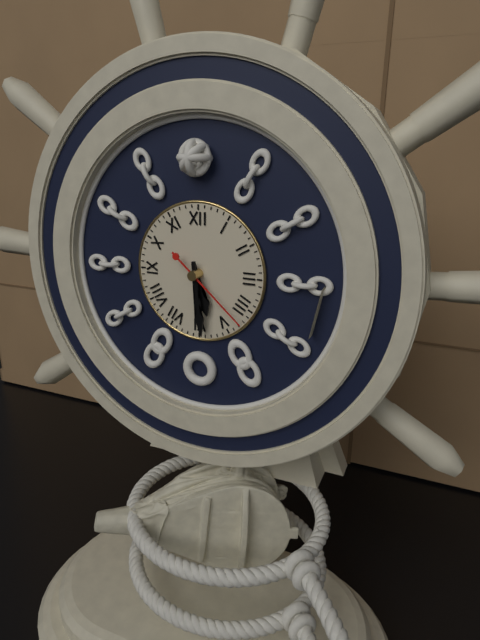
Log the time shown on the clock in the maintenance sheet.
5:29:22
